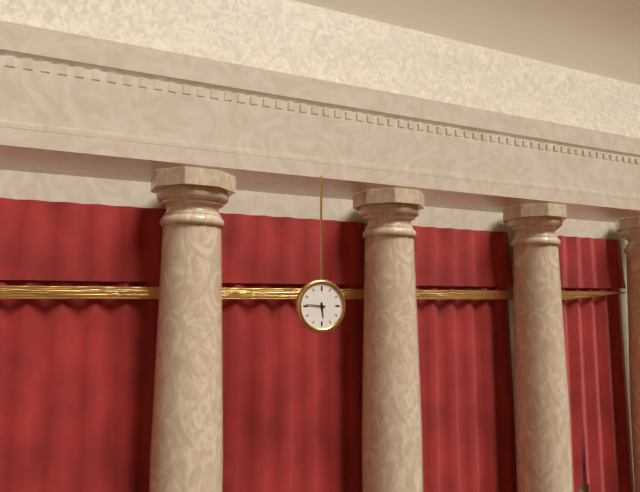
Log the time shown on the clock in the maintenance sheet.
5:46
